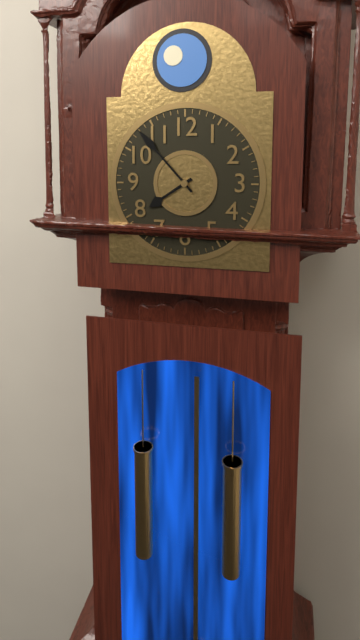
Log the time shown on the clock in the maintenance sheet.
7:53
